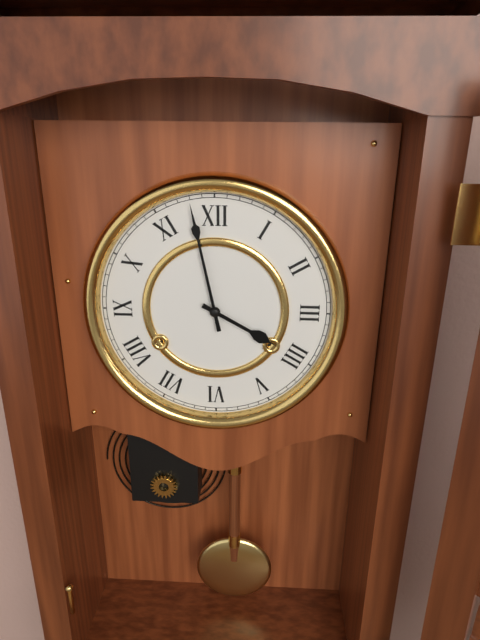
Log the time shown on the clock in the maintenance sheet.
3:58
